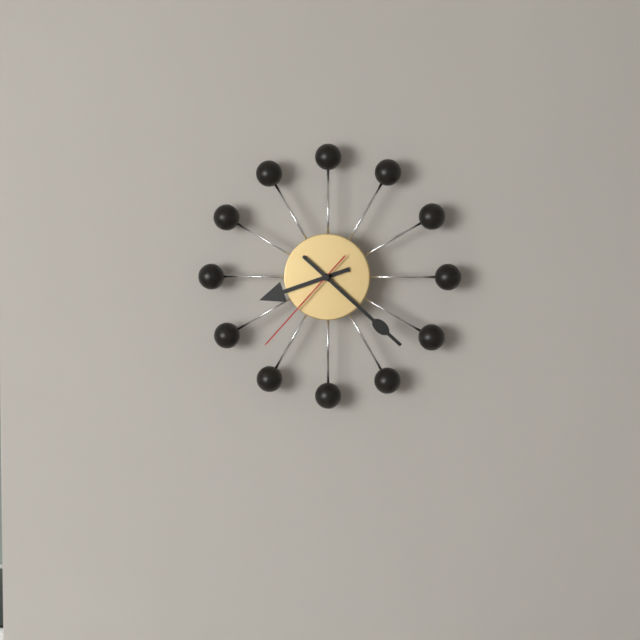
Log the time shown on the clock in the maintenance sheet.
8:22:37
